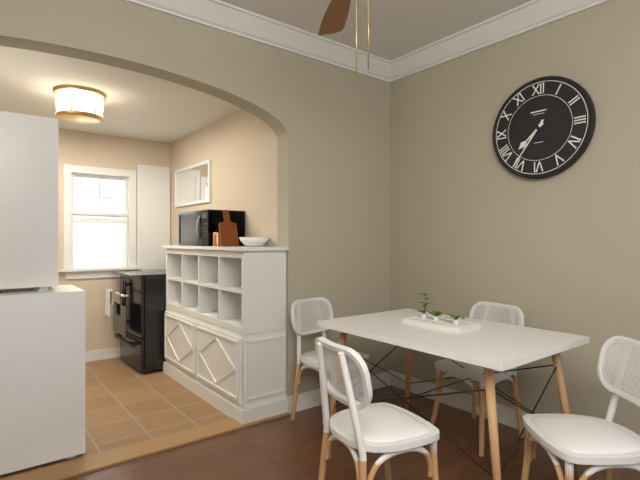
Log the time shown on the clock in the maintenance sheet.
7:36
